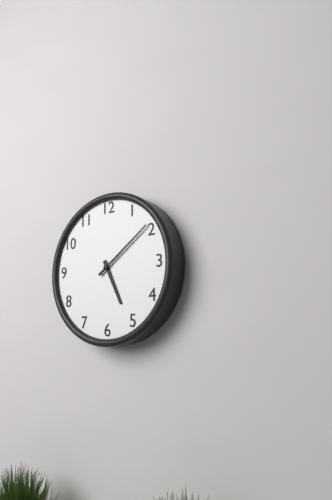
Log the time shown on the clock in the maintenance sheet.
5:09
